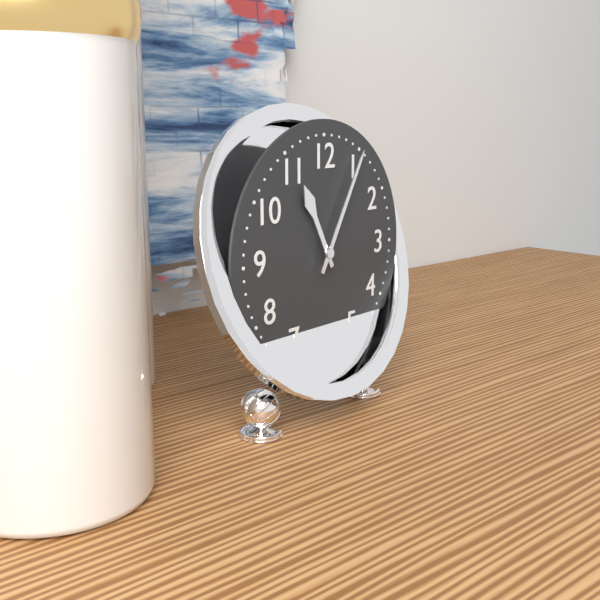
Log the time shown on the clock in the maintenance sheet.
11:05
